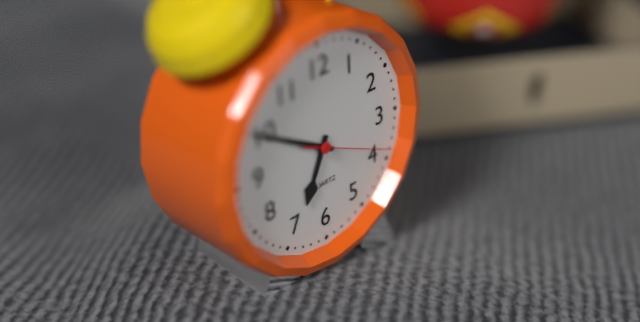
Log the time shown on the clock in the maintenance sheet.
6:50:19
